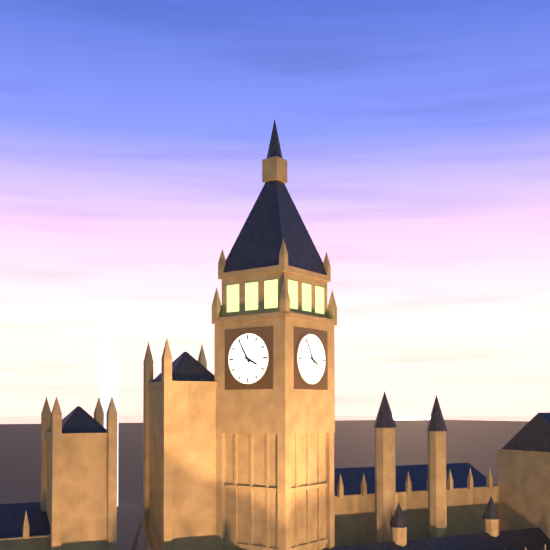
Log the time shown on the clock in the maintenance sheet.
3:55
